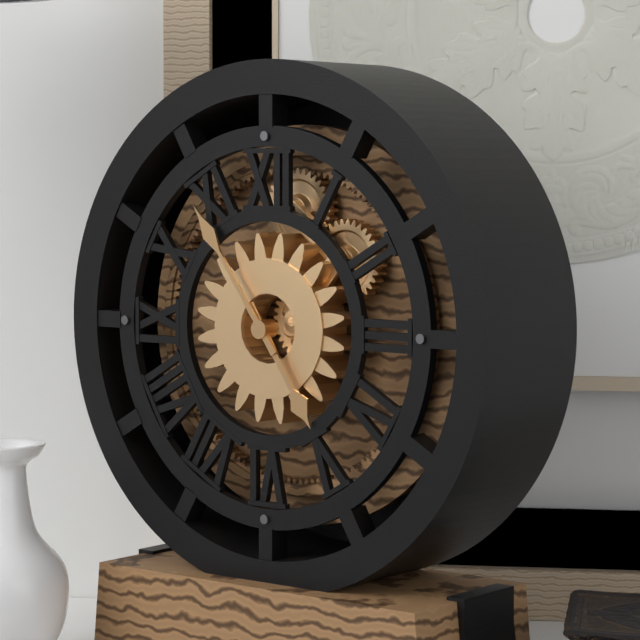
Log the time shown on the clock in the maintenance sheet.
4:54
